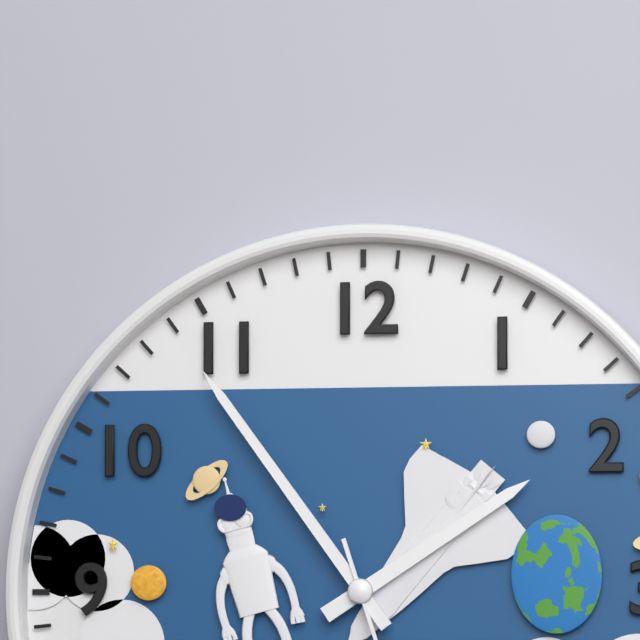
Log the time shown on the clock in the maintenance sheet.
1:54
